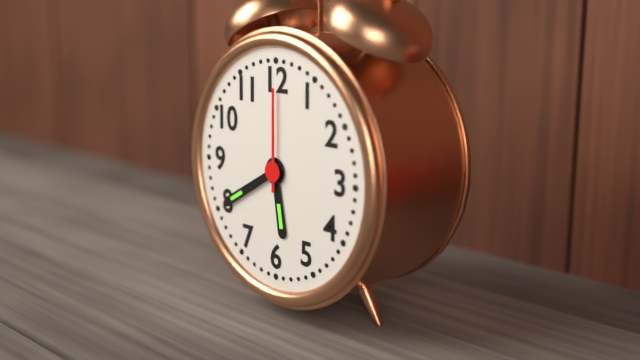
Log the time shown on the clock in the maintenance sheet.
5:40:00
